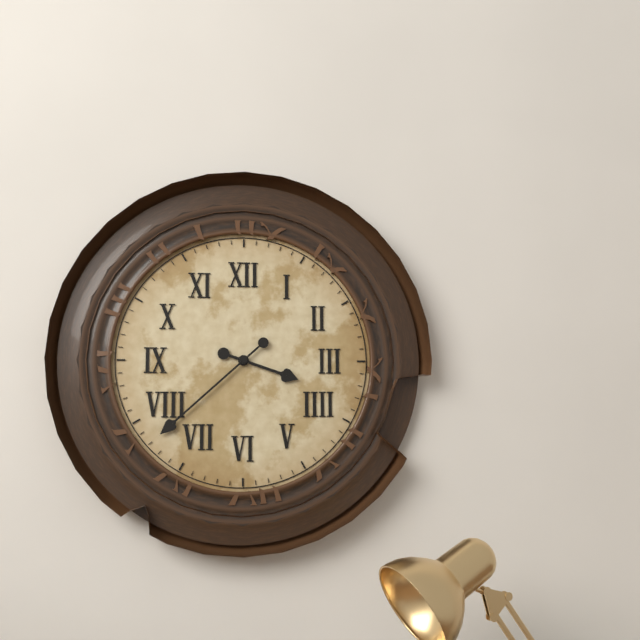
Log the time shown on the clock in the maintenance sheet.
3:38
